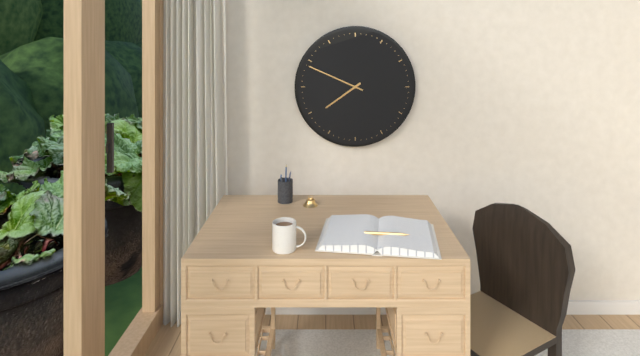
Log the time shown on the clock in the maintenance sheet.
7:49
